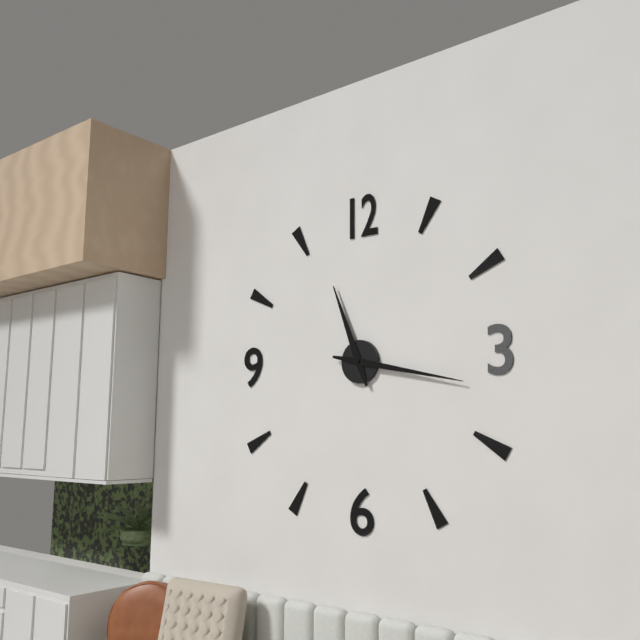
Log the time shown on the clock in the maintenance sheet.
11:17
